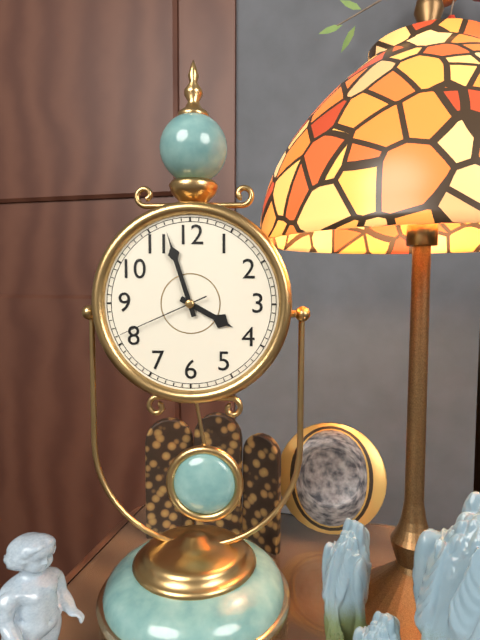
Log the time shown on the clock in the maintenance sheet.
3:57:41
